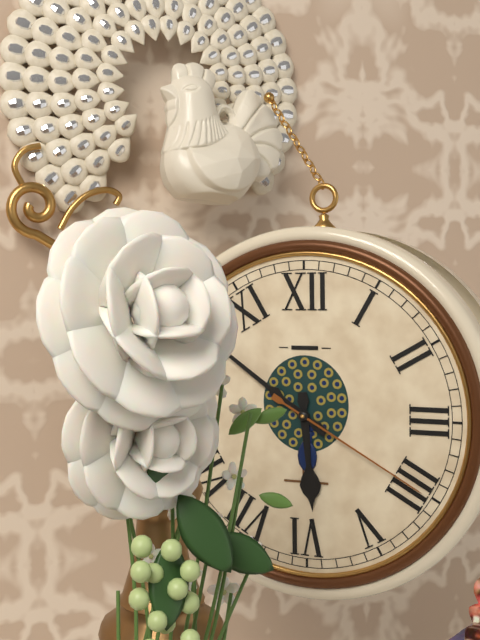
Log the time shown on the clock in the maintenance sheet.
5:51:20
